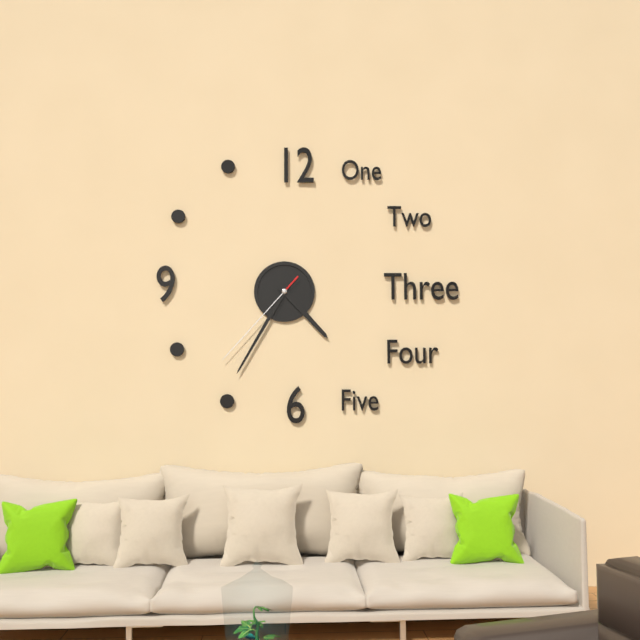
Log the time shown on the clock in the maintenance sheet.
4:35:37
